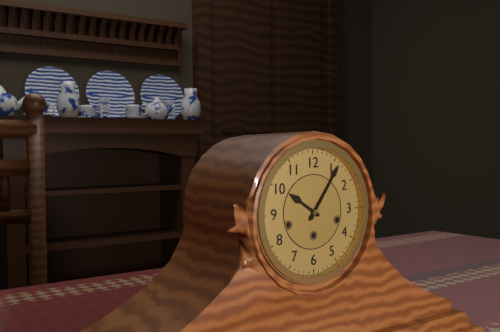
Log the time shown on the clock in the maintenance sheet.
10:06
